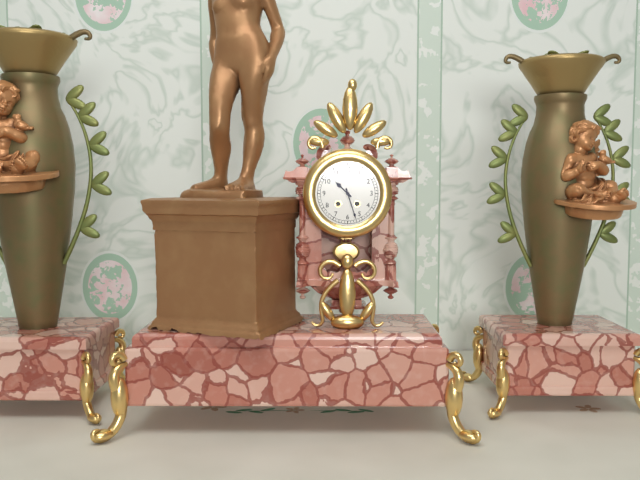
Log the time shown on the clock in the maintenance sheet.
10:27
